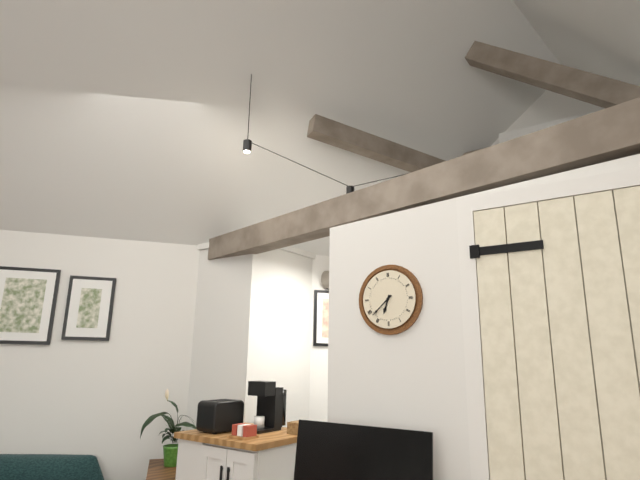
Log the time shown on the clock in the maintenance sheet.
6:38
